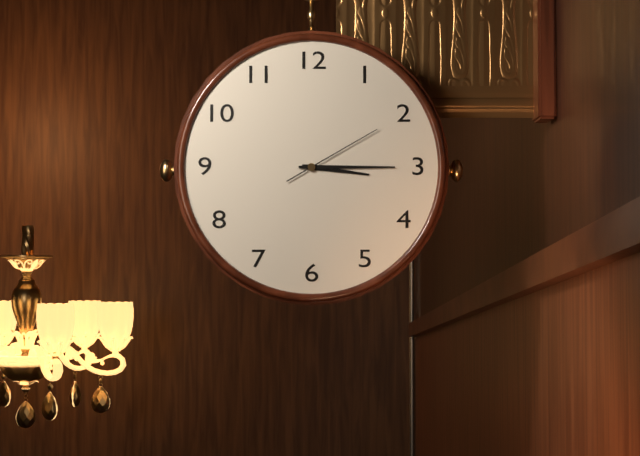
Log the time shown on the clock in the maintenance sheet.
3:15:10
